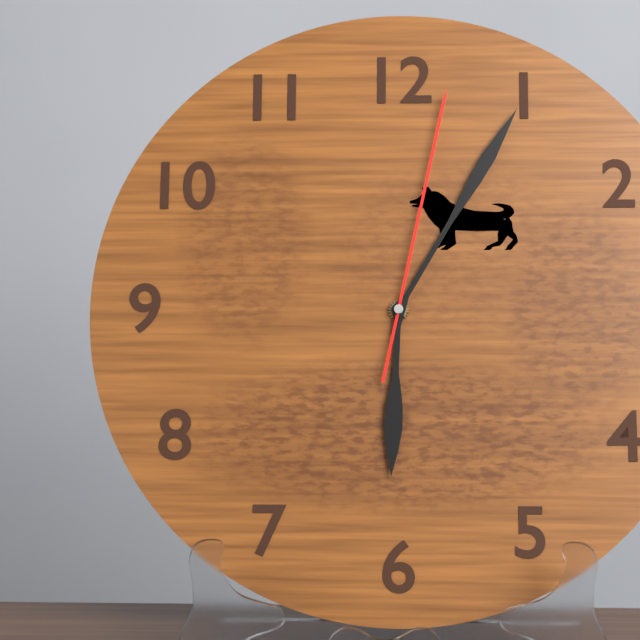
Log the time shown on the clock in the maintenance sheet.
6:05:02
